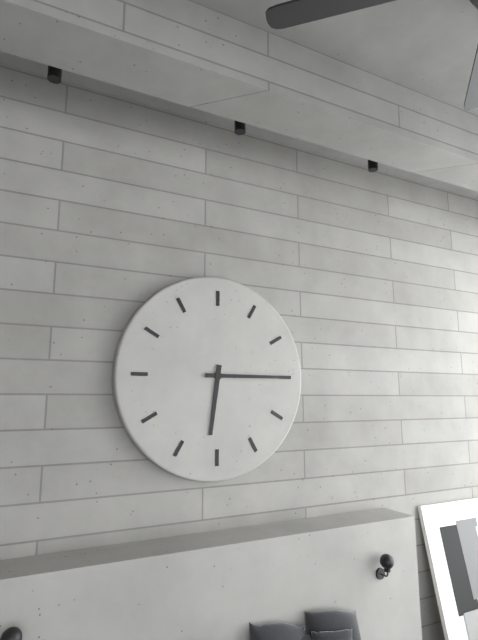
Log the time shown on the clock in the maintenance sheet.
6:15
